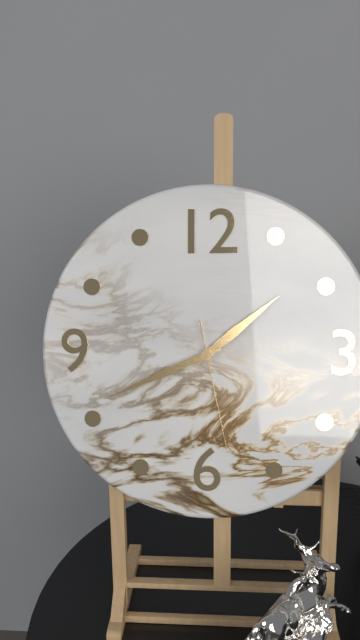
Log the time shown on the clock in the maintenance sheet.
1:41:28
